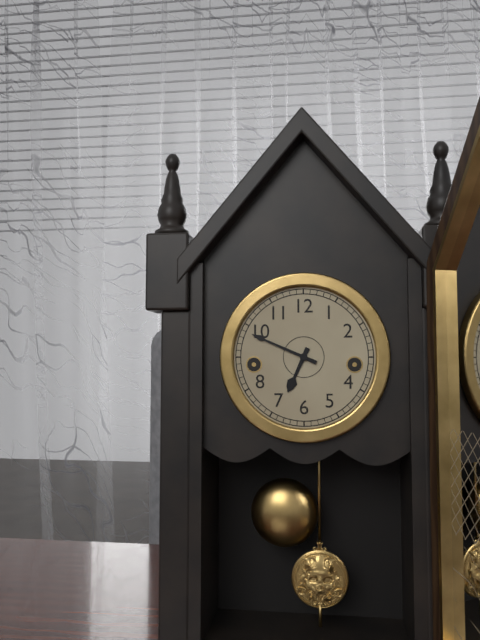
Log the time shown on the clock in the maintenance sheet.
6:49
